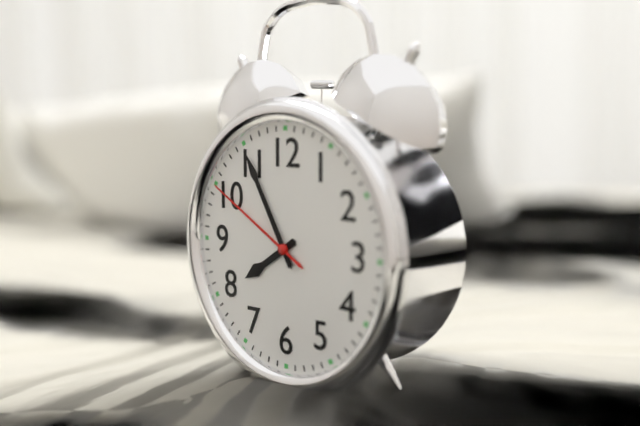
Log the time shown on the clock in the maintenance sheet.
7:55:50
